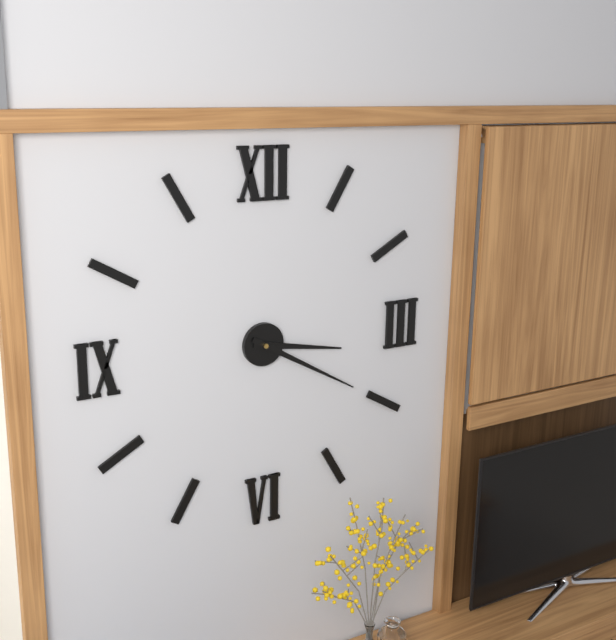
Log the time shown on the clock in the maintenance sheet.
3:20
